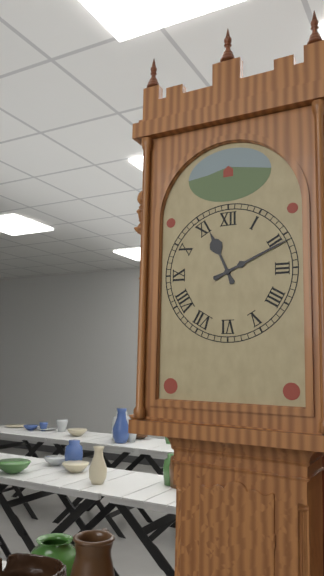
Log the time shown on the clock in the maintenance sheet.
11:11
